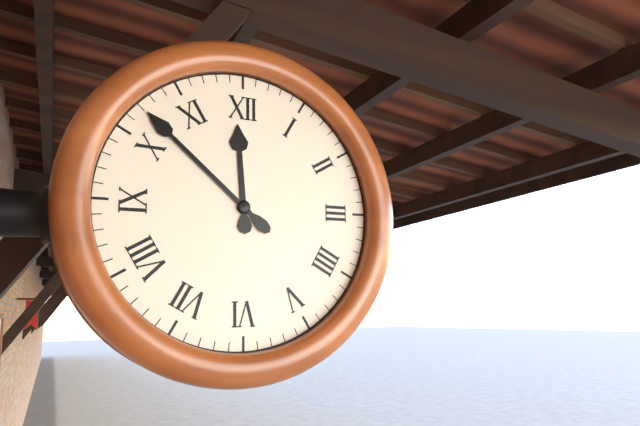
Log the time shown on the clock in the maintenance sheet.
11:52
